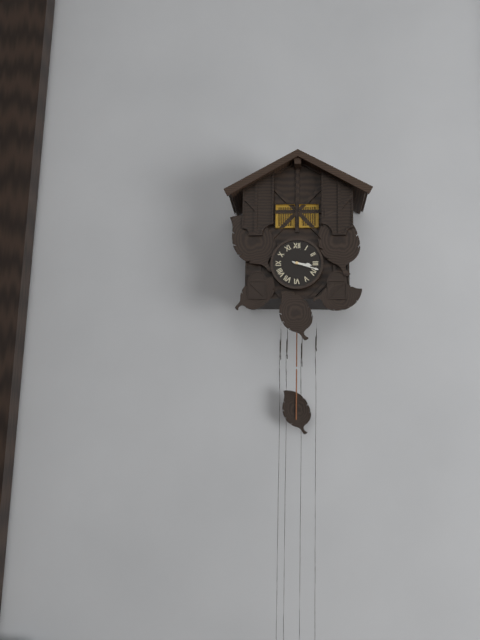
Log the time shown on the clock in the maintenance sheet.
3:18
